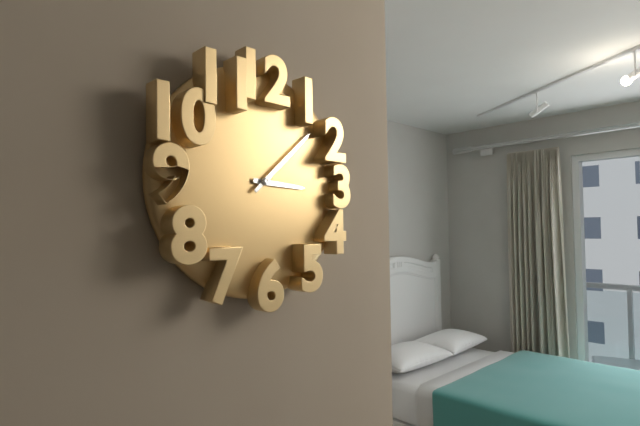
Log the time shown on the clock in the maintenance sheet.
3:08
